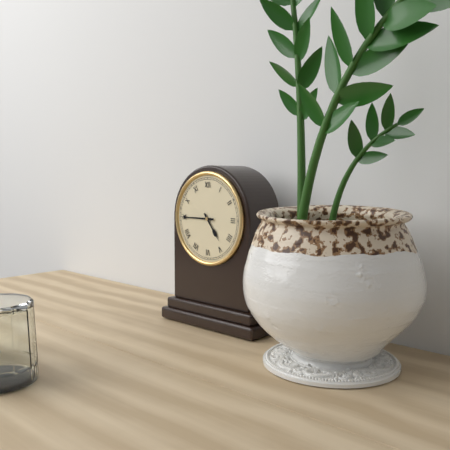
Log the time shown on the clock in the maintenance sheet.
4:45
